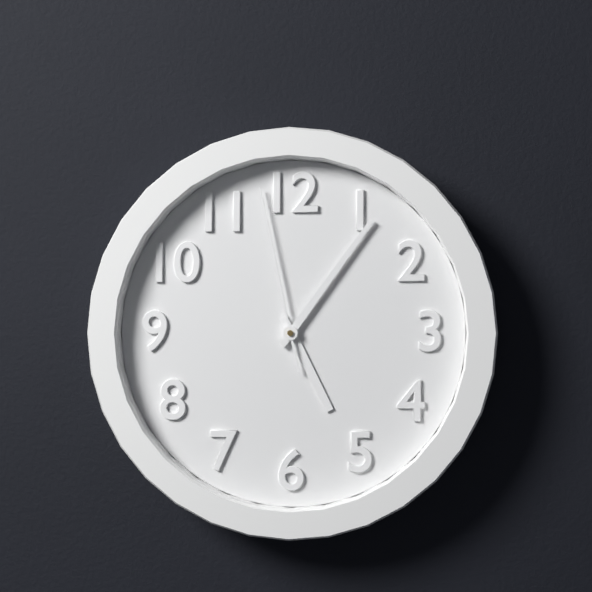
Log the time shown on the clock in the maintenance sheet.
5:06:58
